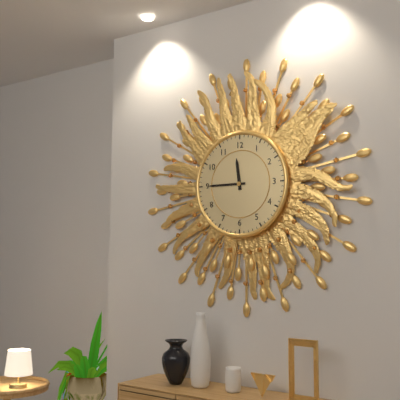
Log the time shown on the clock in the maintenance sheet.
11:45
